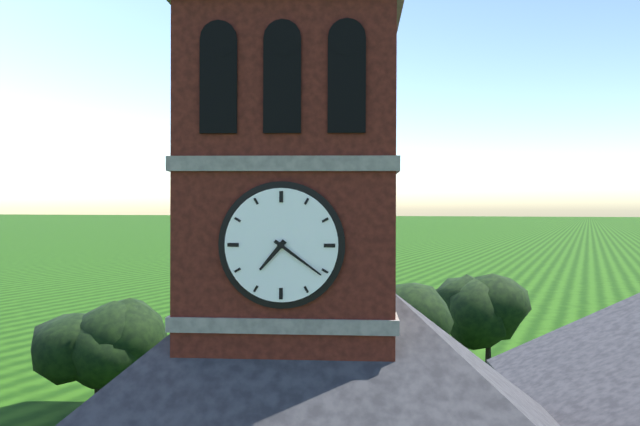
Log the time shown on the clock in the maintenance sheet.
7:21
